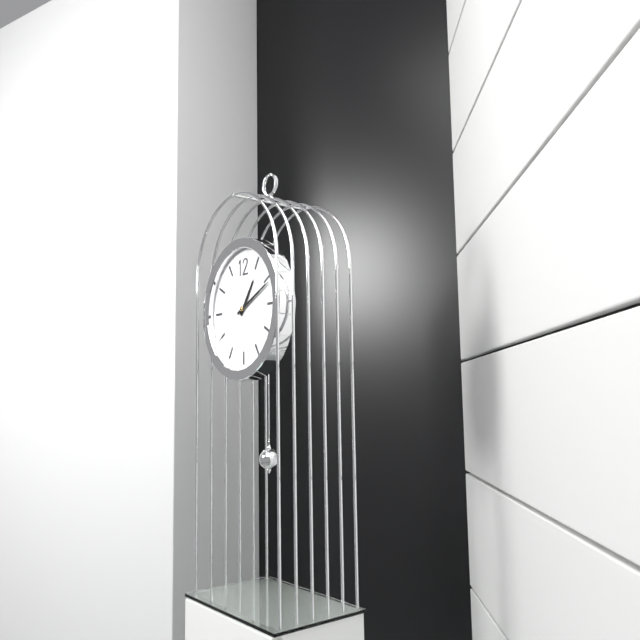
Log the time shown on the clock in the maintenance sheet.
1:11
